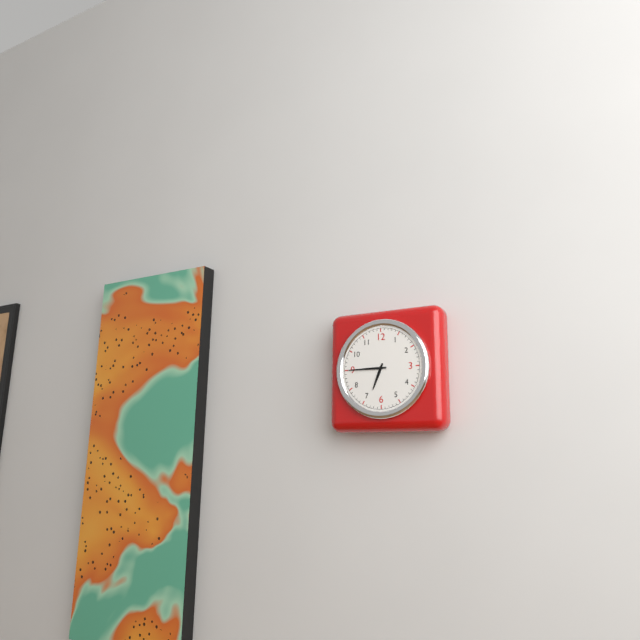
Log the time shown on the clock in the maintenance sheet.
6:45
